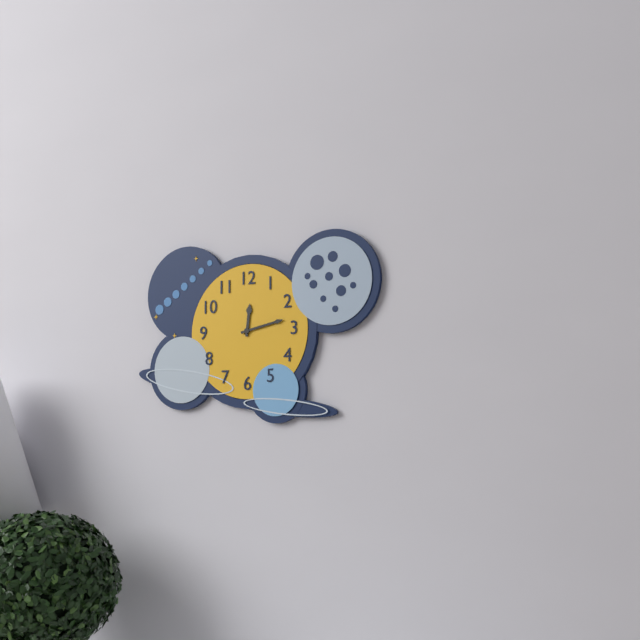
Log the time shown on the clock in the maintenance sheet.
12:13
